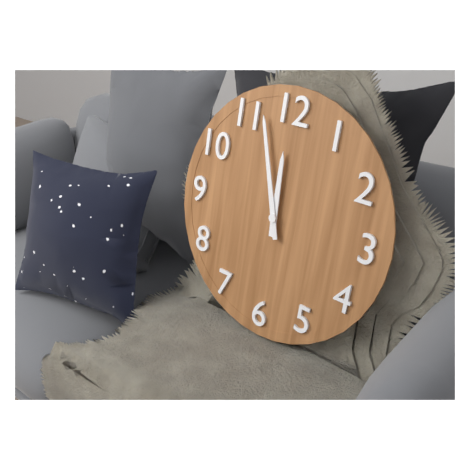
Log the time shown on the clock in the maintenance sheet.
11:57
